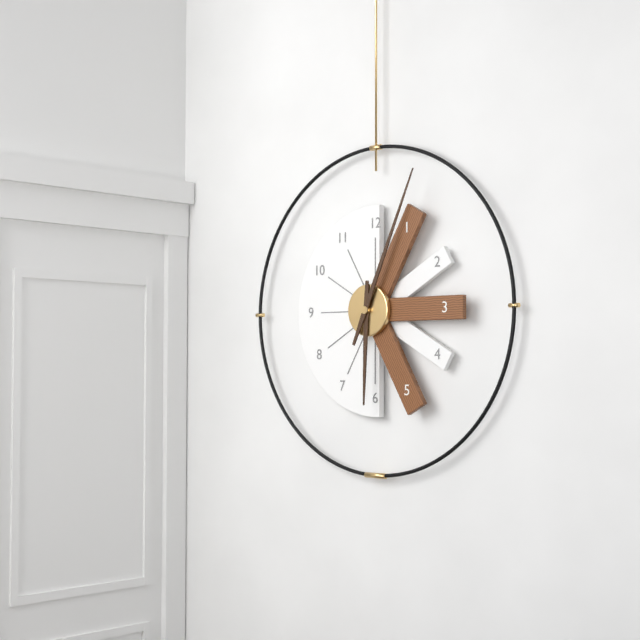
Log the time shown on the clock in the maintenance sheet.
6:04
